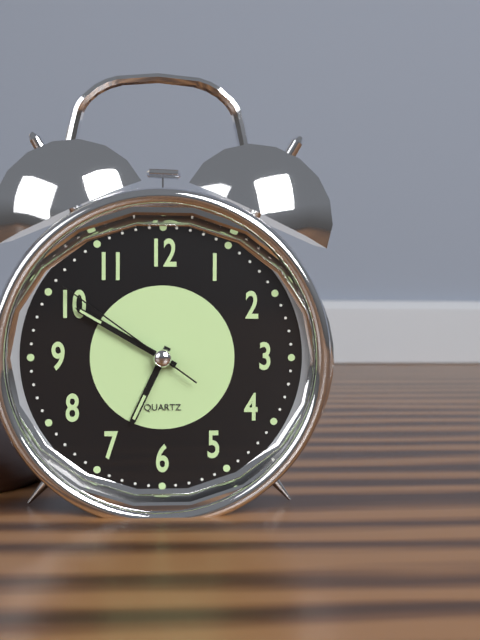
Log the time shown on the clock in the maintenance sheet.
6:50:51
